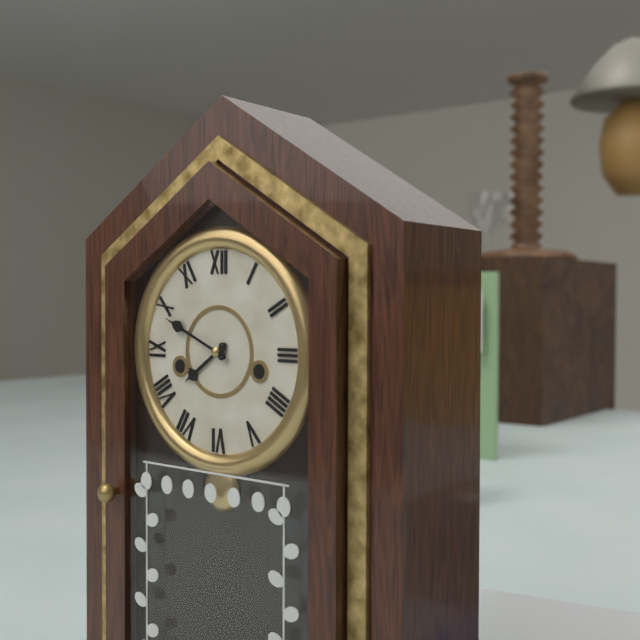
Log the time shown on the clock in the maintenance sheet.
7:49
